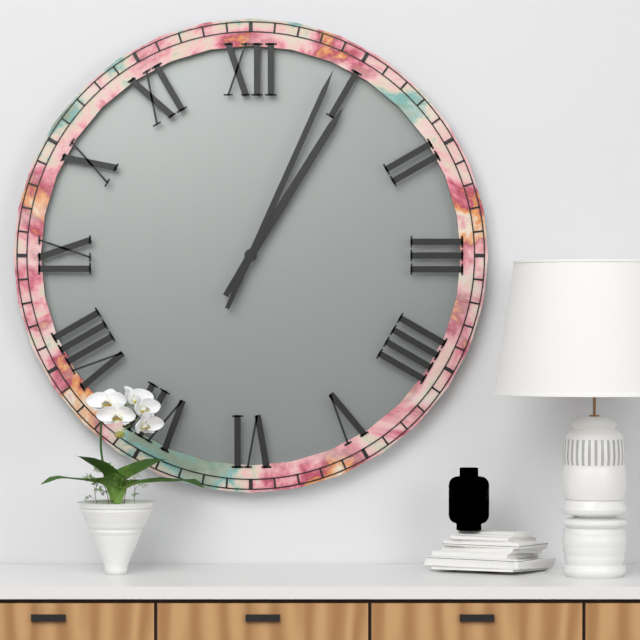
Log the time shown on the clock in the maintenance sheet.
1:04
